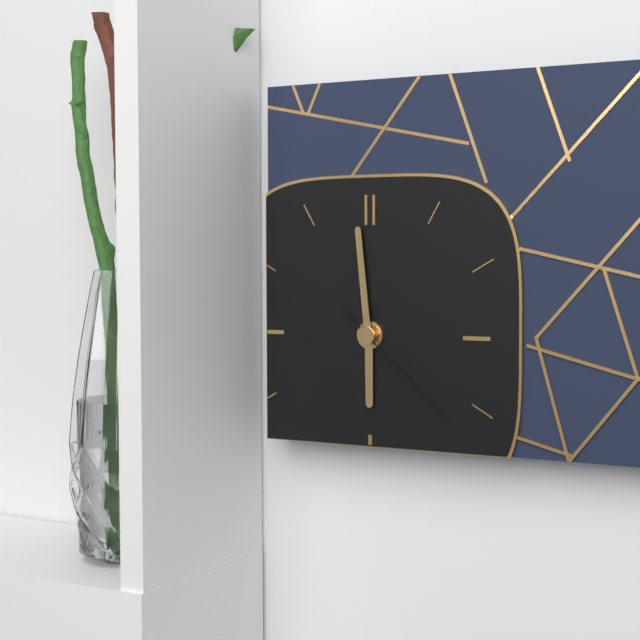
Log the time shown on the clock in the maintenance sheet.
5:59:22
